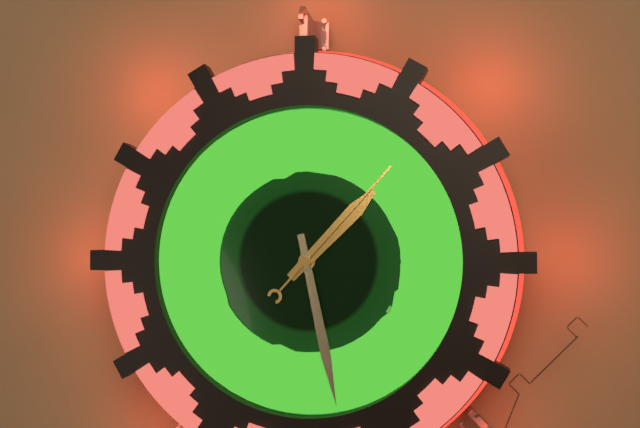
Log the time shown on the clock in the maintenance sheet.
1:28:07
